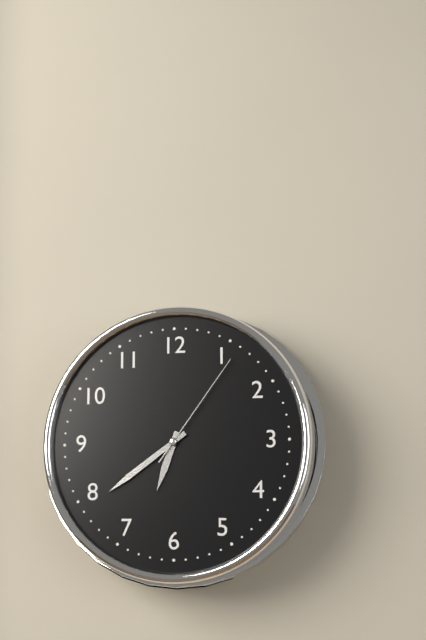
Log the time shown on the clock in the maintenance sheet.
6:39:06
